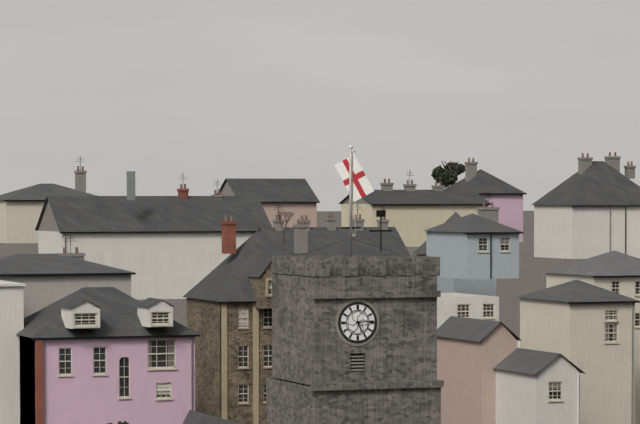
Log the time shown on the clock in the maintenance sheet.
5:14
